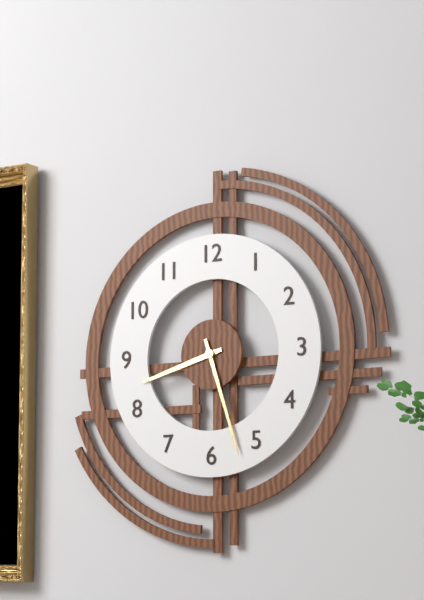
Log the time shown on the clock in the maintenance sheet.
8:27
